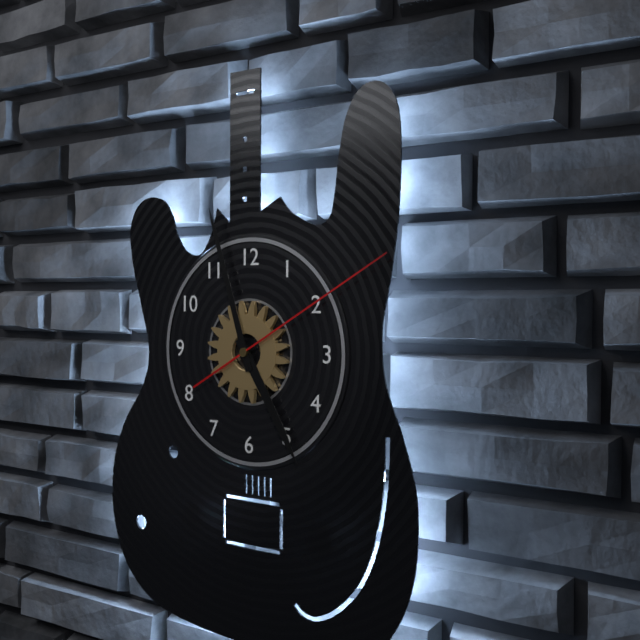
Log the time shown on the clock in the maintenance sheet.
4:57:10
